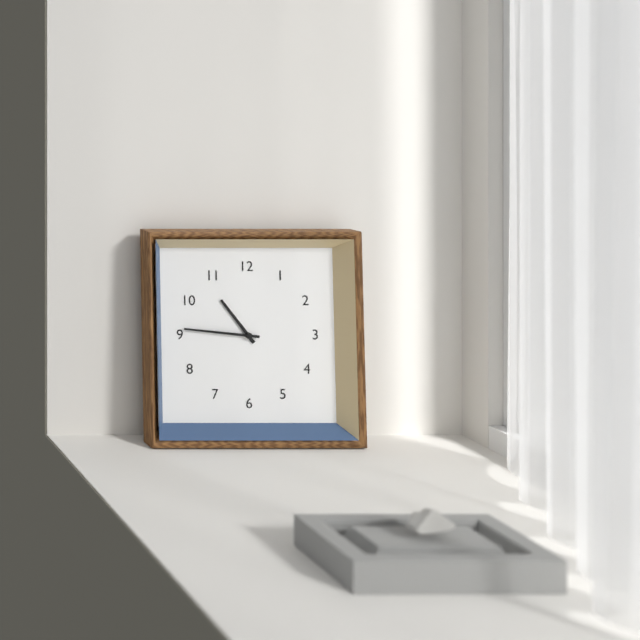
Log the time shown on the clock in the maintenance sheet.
10:46
